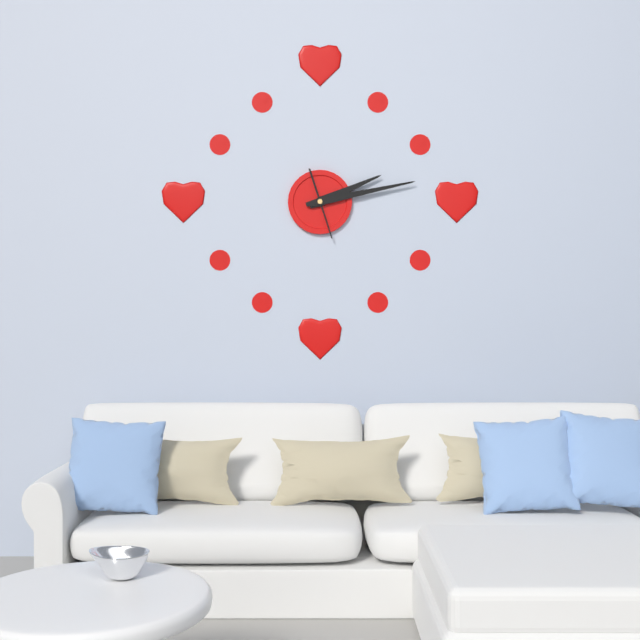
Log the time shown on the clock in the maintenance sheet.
2:13
